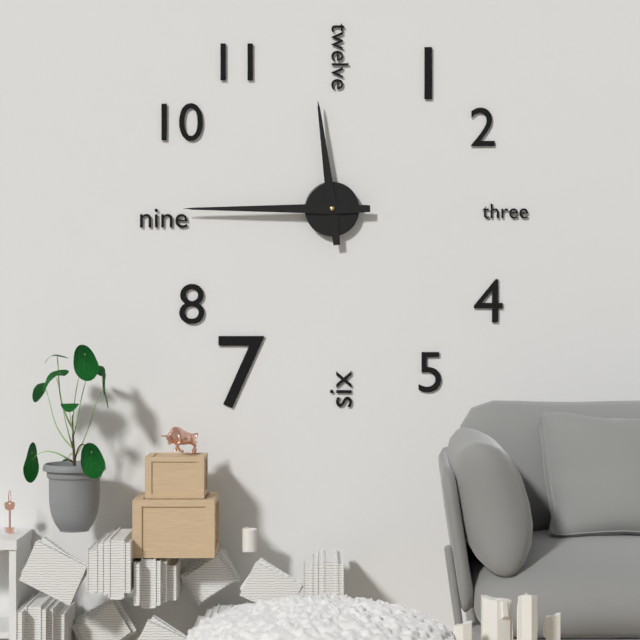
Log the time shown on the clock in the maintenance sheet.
11:45
